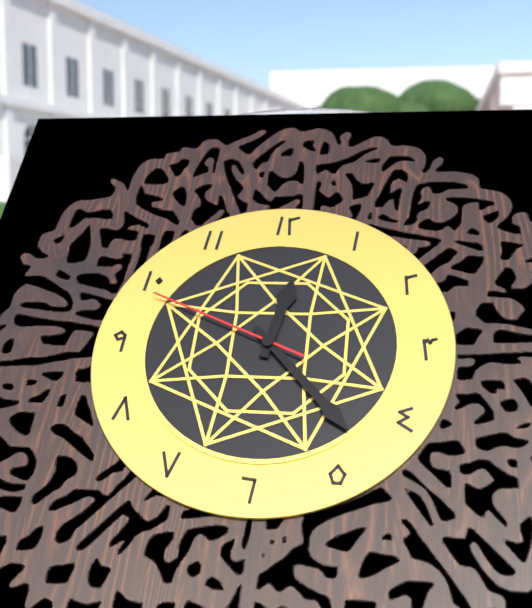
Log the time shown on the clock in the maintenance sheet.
12:23:49
